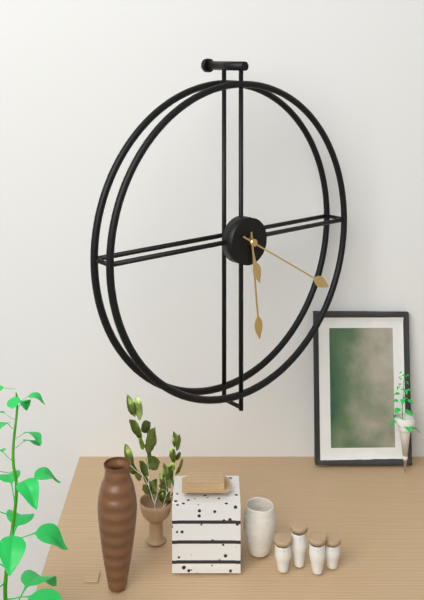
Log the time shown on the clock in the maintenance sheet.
5:29:20
